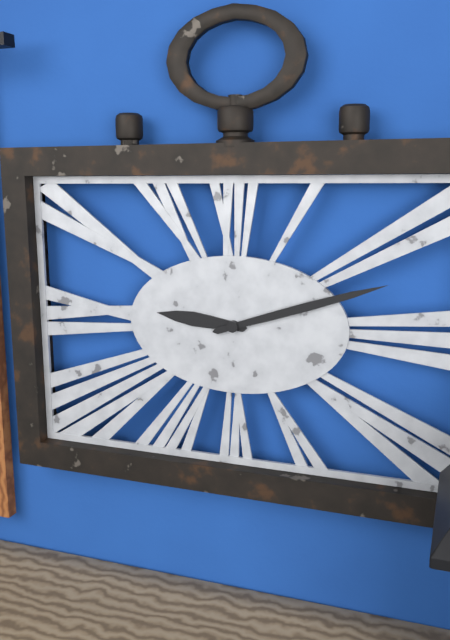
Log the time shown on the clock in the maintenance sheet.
9:12
